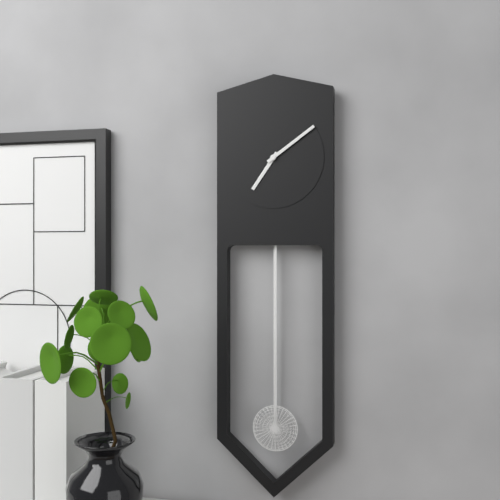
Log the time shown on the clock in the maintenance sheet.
7:09
